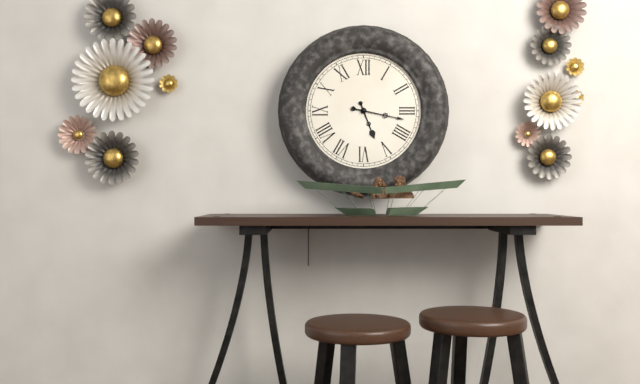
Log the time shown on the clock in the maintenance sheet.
5:17
